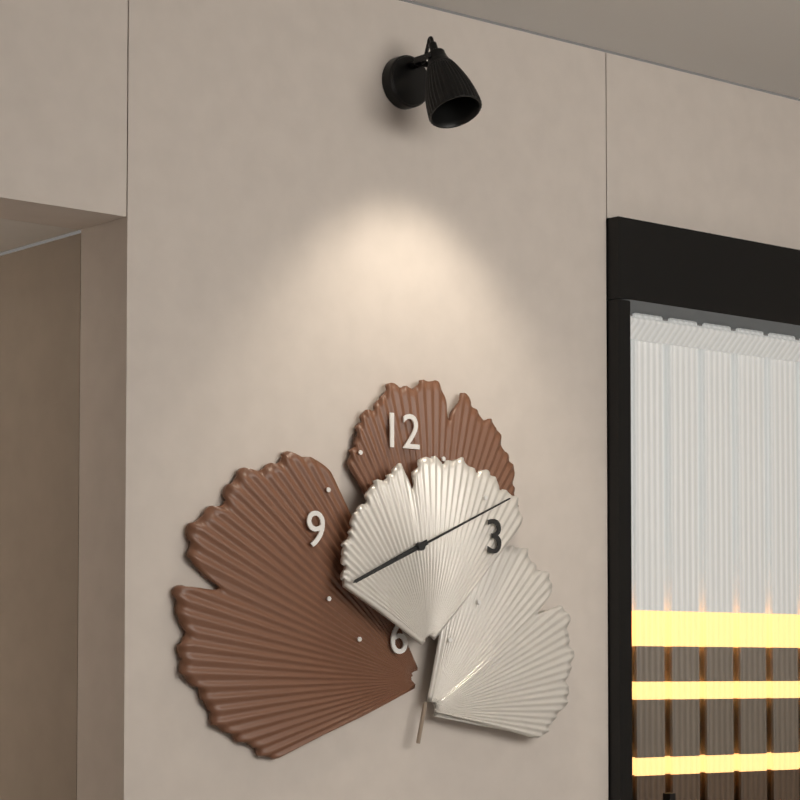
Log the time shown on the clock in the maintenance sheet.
8:11
